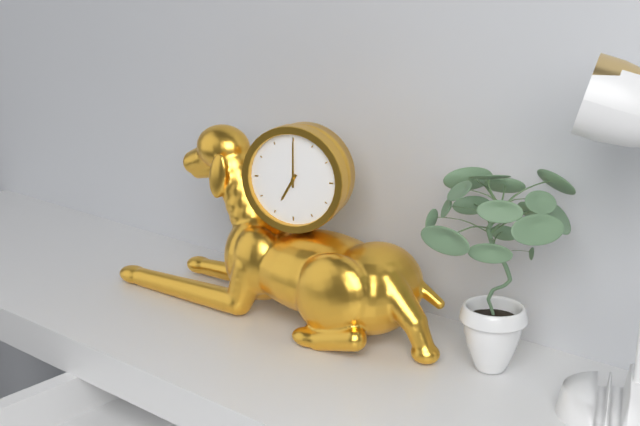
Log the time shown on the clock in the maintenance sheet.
7:00
